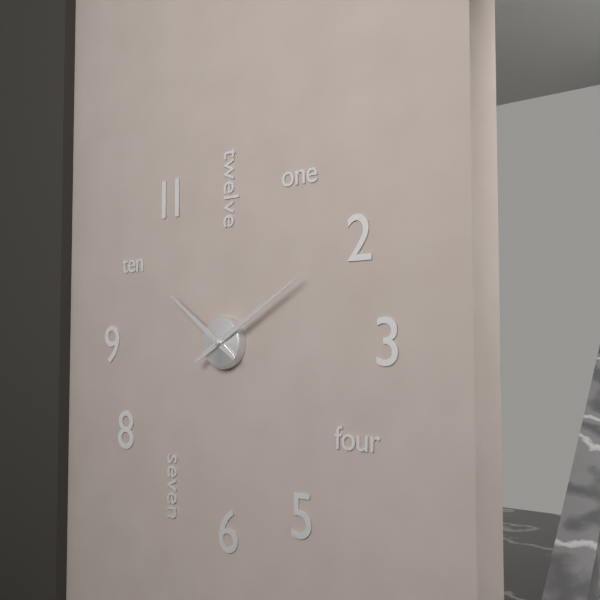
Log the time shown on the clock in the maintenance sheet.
10:10
